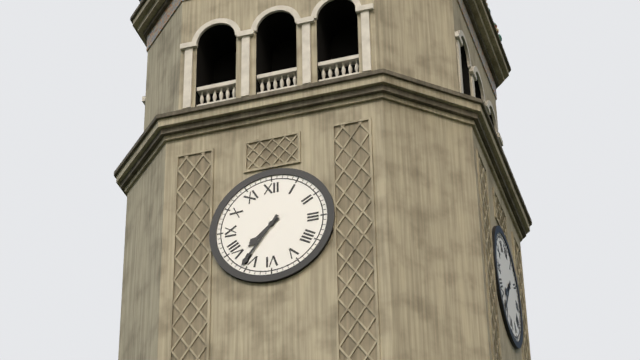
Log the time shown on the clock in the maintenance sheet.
7:36
